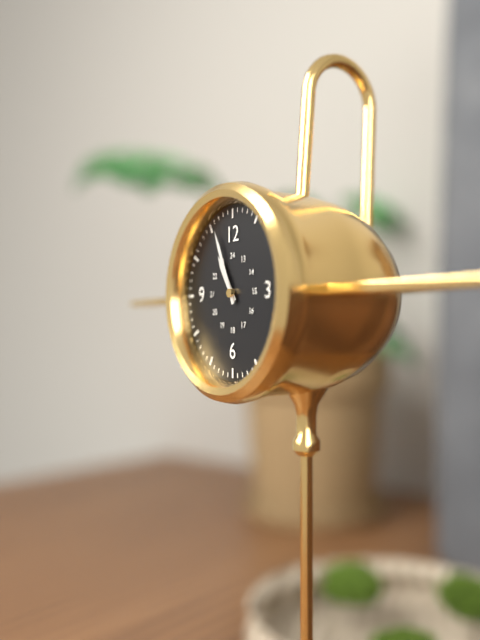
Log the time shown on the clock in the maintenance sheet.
10:56
